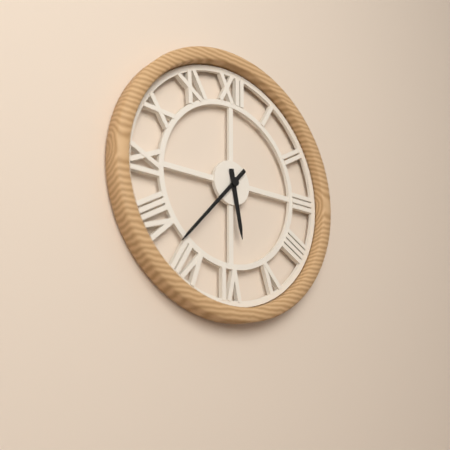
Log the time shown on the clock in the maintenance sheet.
5:37
